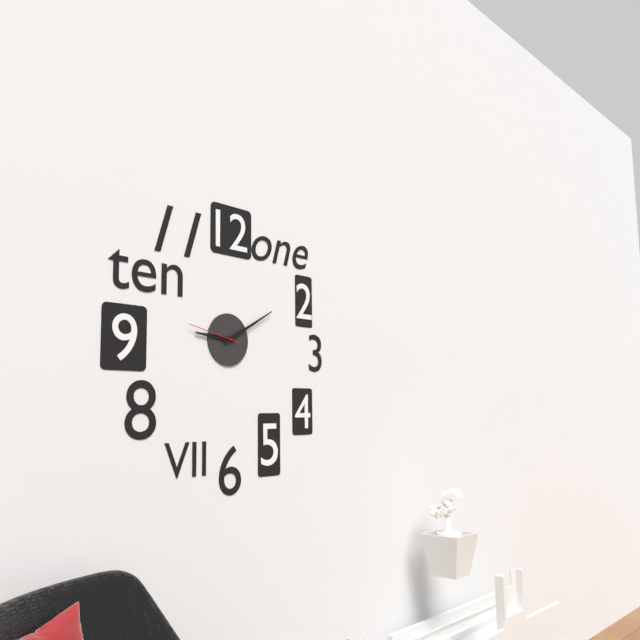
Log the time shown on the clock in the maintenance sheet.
9:10:47
